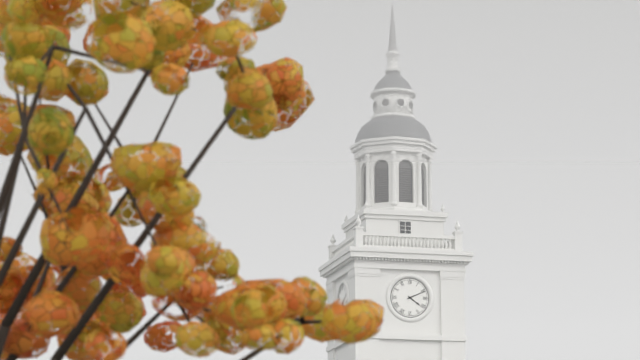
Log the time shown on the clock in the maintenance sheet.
4:11
